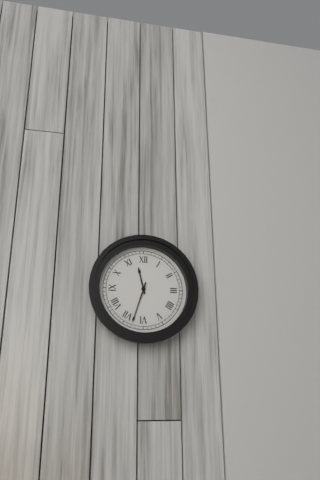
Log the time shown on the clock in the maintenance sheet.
11:33
